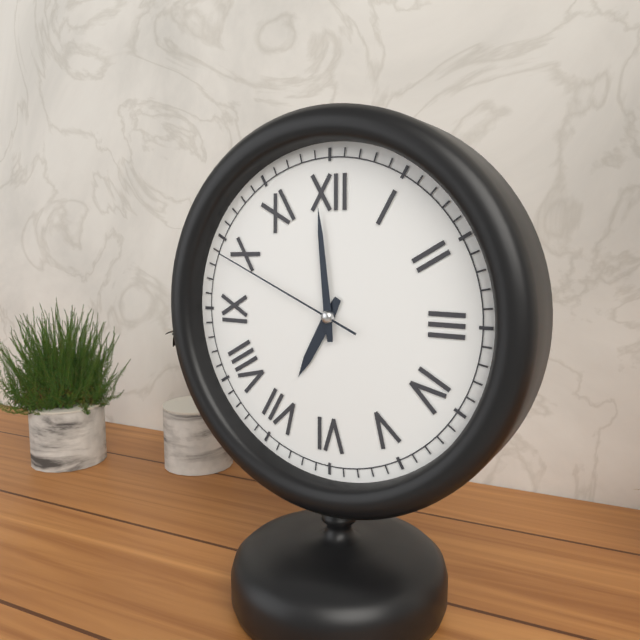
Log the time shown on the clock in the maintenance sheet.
6:59:49
